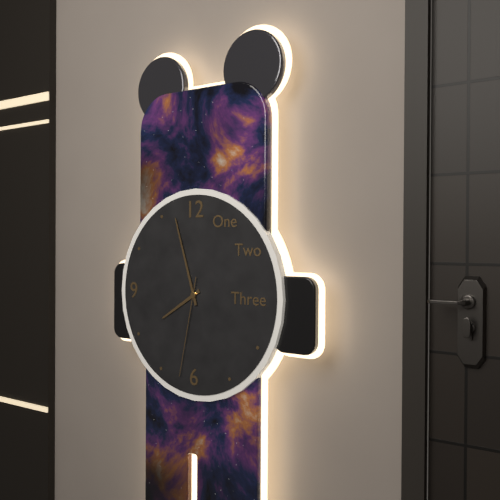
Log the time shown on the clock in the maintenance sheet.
7:57:32
